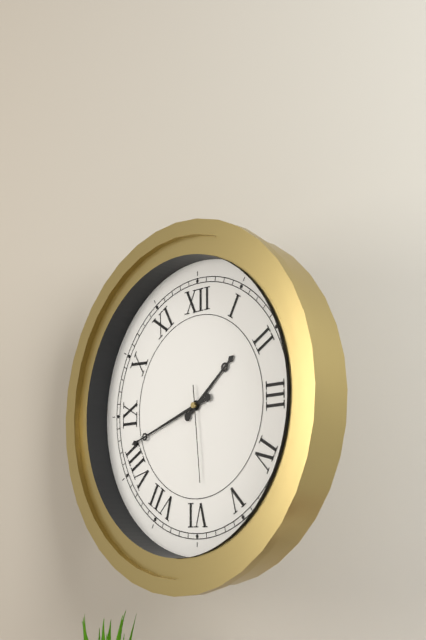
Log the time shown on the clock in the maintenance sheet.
1:42:29
